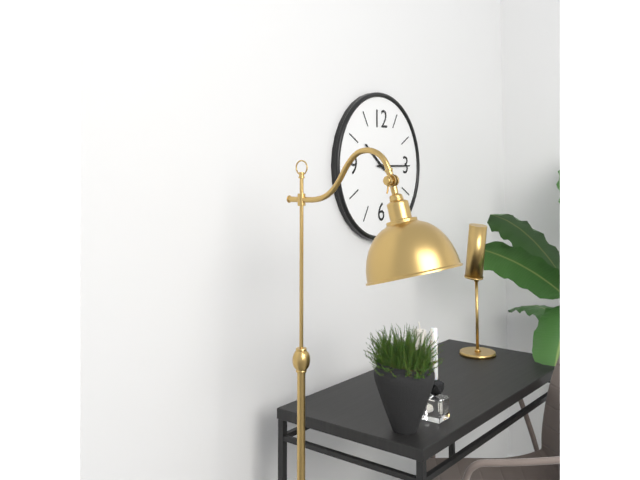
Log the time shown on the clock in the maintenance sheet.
10:15
